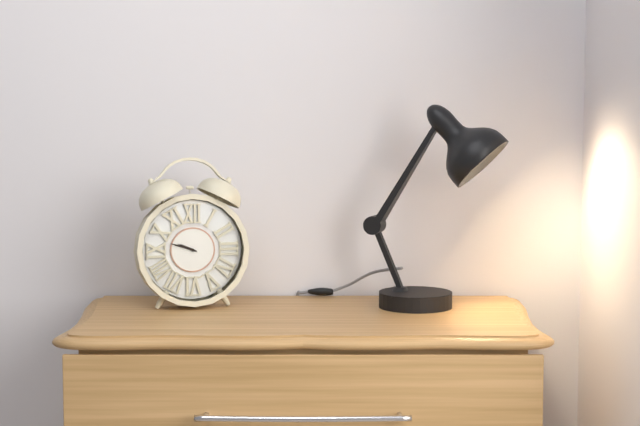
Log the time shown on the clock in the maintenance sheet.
9:48
